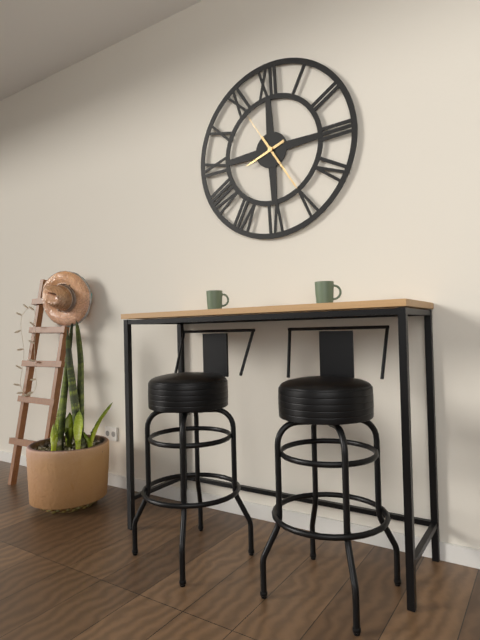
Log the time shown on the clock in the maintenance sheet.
8:25:55
